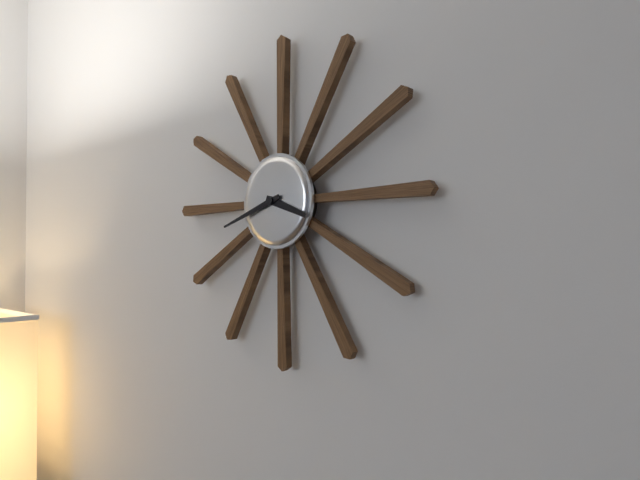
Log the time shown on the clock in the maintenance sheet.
3:42
